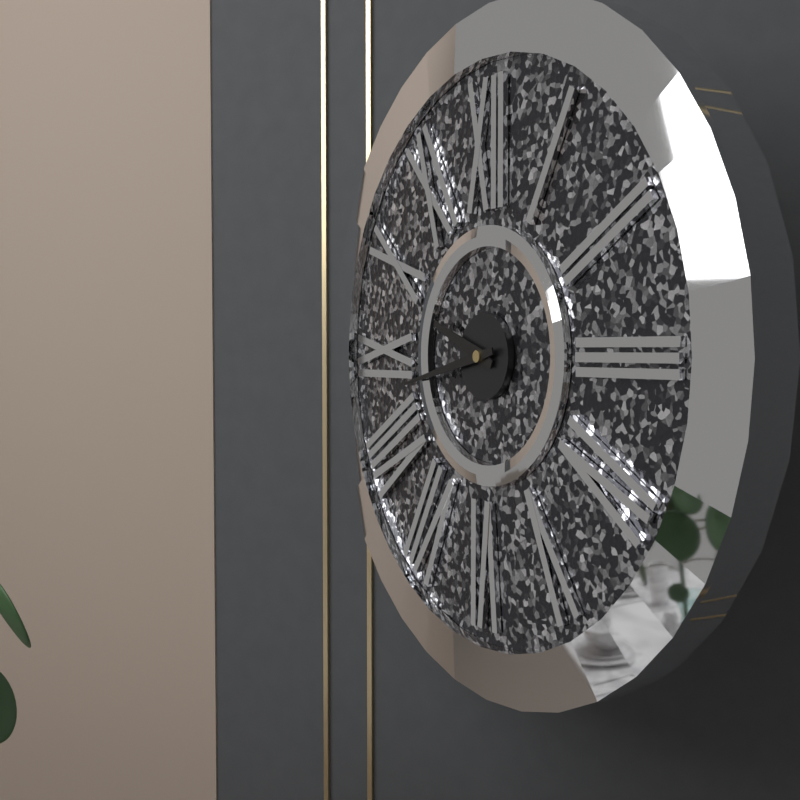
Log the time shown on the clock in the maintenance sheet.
9:43
